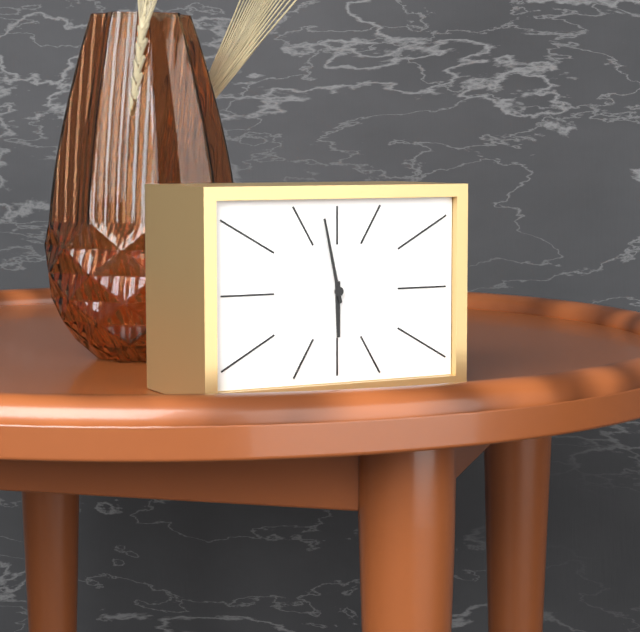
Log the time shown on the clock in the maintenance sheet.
5:58
